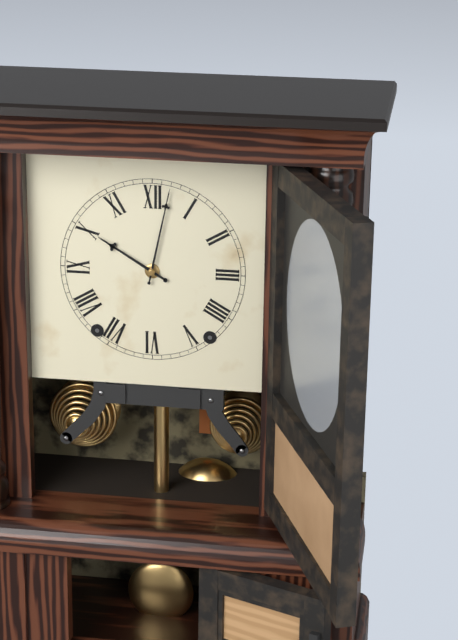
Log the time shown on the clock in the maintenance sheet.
10:02
